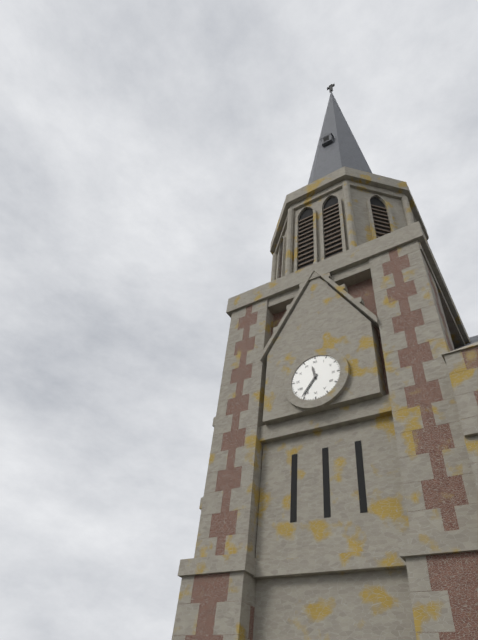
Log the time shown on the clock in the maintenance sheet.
11:36
